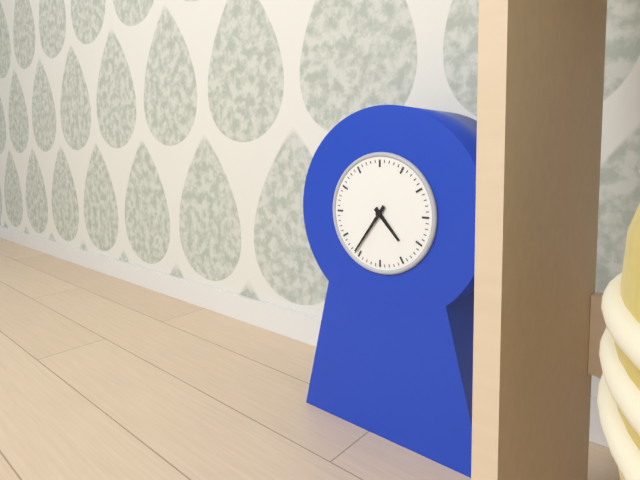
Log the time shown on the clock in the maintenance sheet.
4:36
